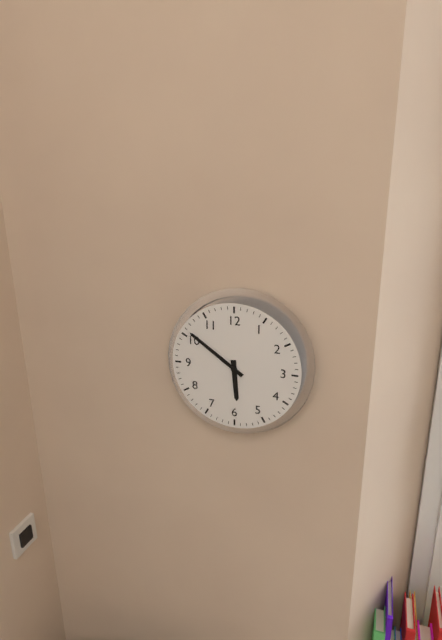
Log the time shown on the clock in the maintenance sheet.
5:51
